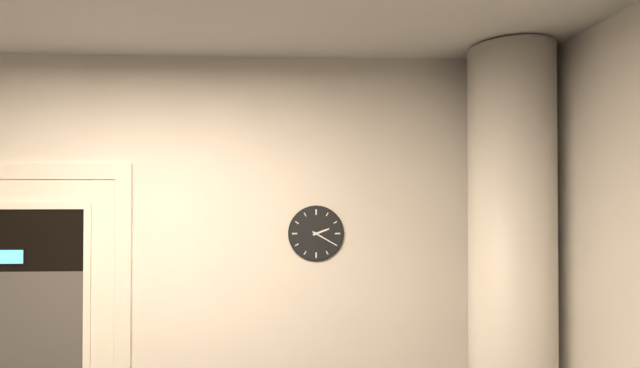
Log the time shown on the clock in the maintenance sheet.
2:20
